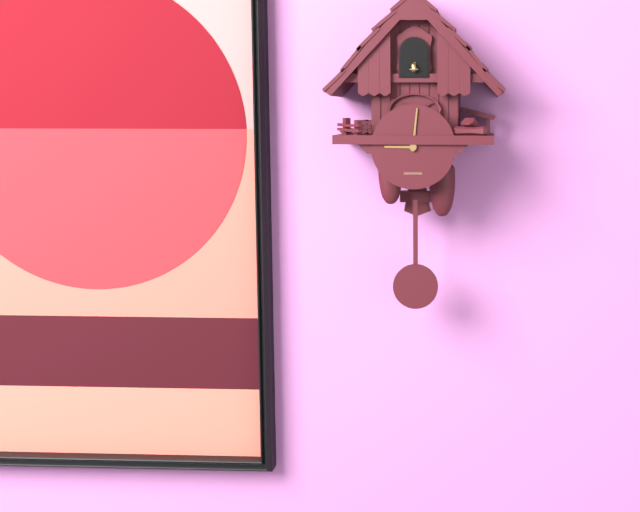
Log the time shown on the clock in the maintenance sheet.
9:01
